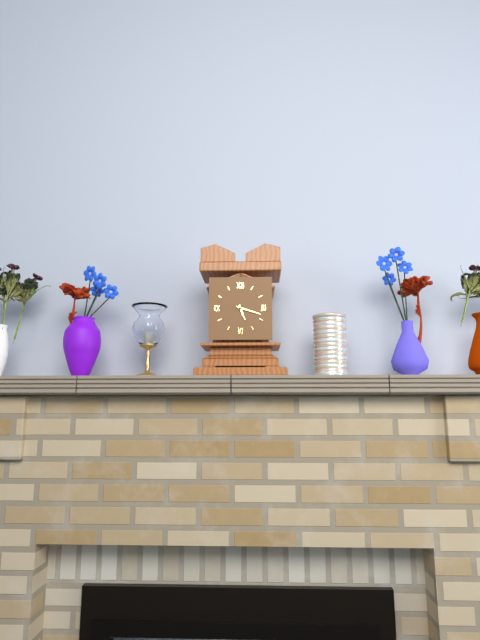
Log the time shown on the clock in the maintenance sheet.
5:18
